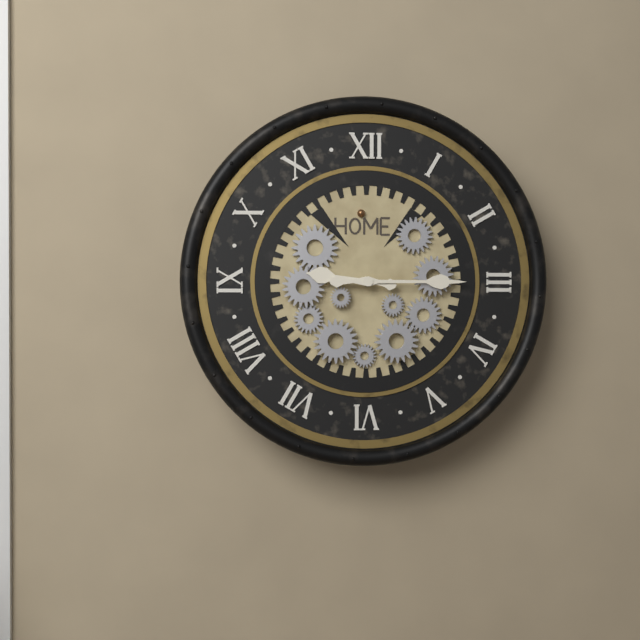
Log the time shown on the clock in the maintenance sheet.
9:15
